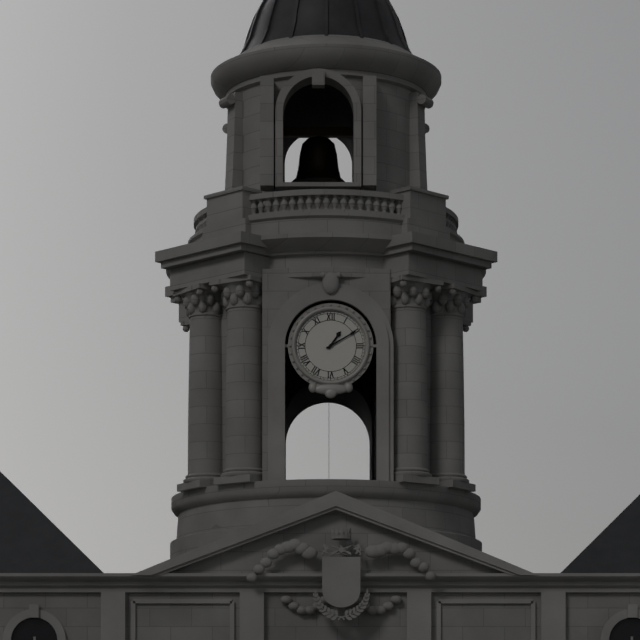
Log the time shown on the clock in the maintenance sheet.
1:10
